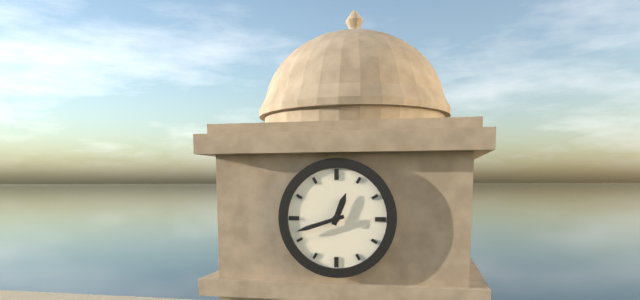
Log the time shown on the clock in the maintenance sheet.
12:42
